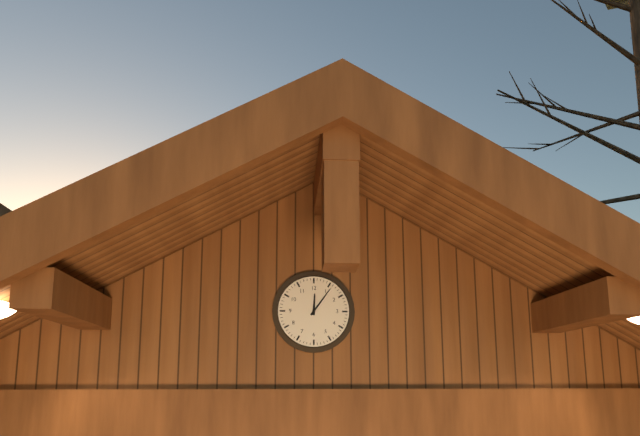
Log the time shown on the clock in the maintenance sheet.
12:06
